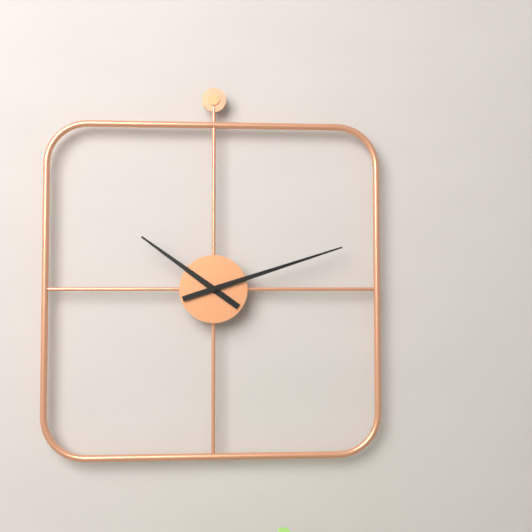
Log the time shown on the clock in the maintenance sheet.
10:12
